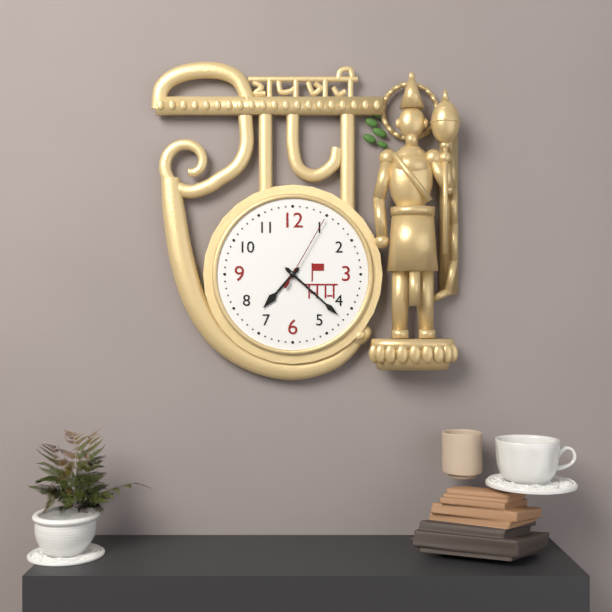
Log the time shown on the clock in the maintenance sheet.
7:22:05
